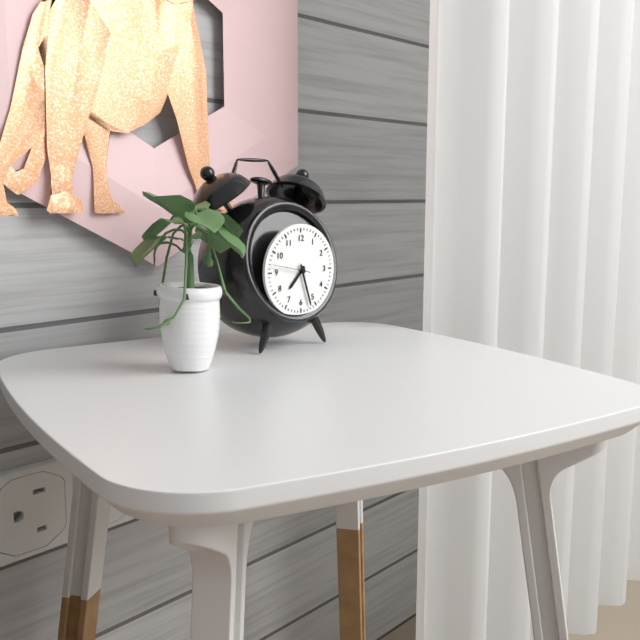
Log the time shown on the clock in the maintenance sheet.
7:27
